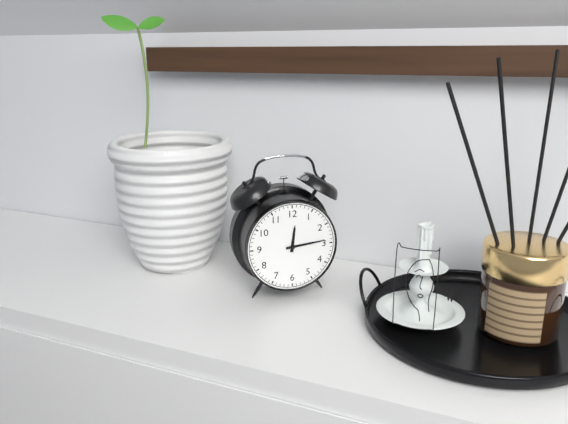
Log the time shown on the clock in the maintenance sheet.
12:14
